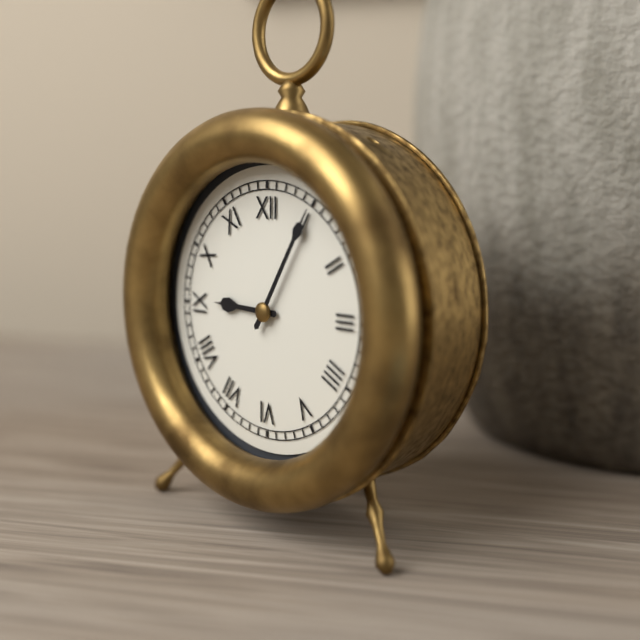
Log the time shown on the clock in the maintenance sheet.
9:05
